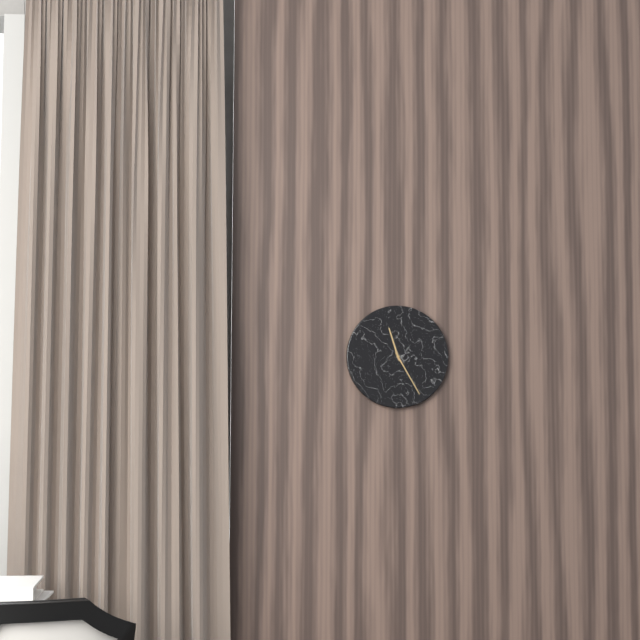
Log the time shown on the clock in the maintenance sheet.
11:25
